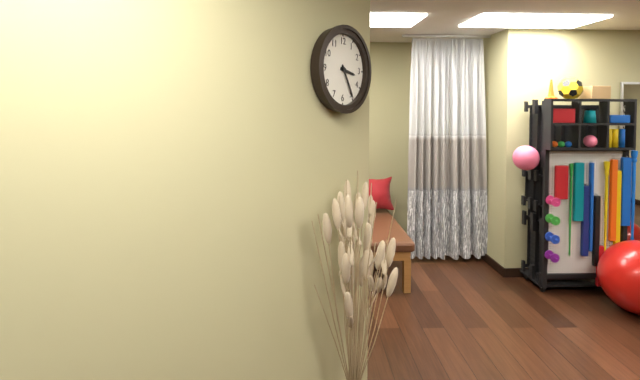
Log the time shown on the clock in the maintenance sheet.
3:25
